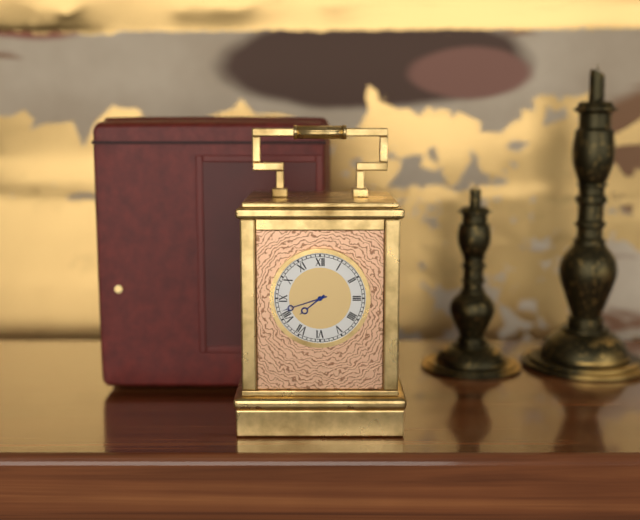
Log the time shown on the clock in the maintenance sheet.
7:42
